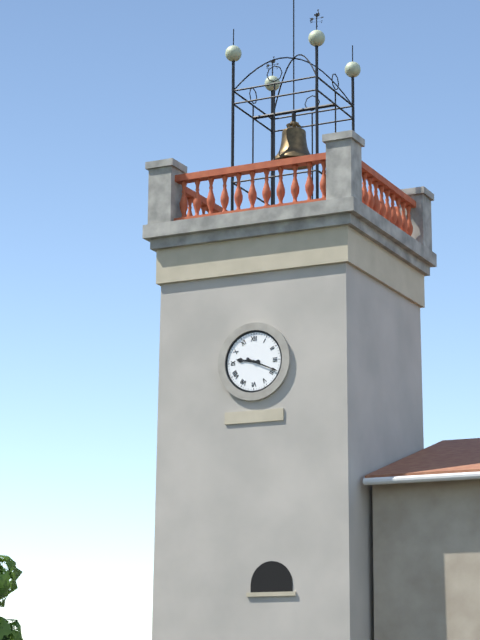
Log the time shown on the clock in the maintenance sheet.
9:19
